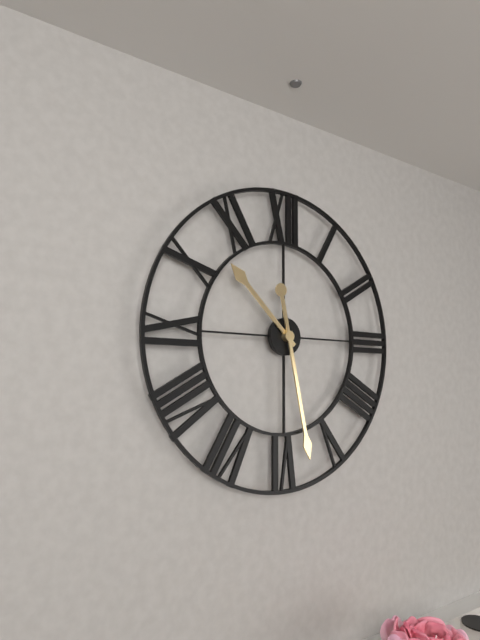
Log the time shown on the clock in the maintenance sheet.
10:28
